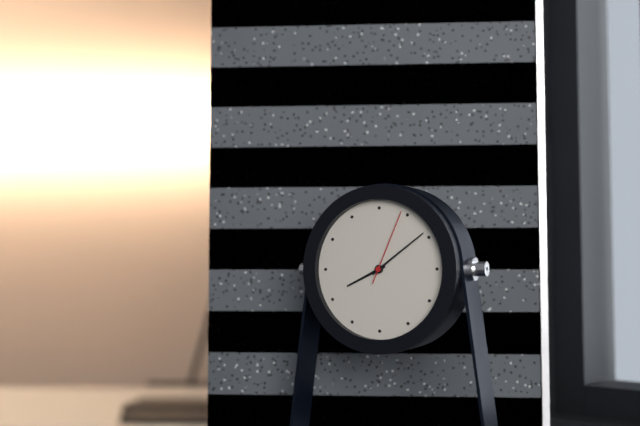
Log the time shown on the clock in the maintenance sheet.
8:09:04
